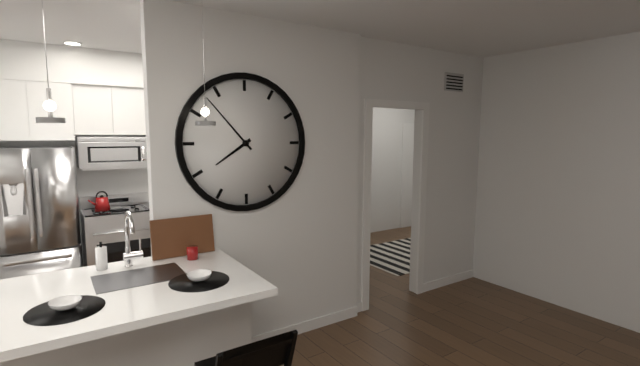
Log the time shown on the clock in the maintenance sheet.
7:53
